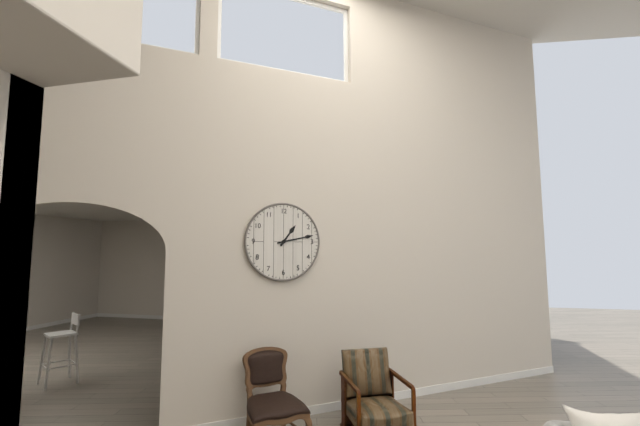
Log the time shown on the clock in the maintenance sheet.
1:13
